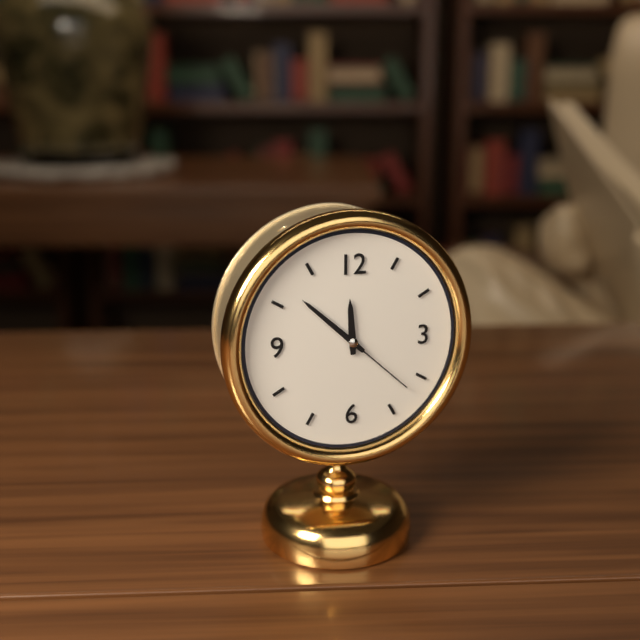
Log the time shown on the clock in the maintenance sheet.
11:52:22
